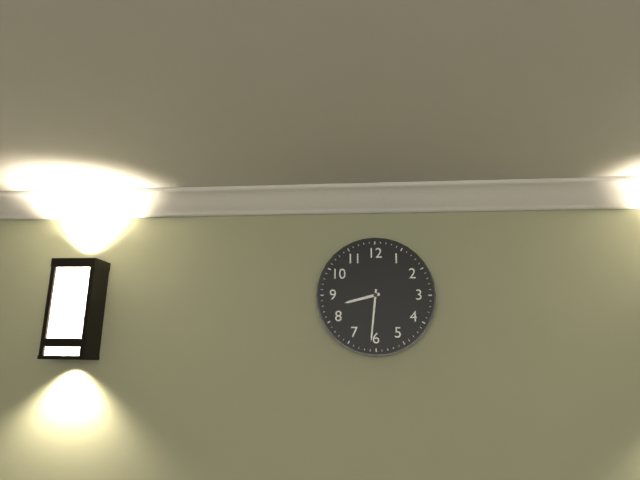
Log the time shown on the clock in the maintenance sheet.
8:31
